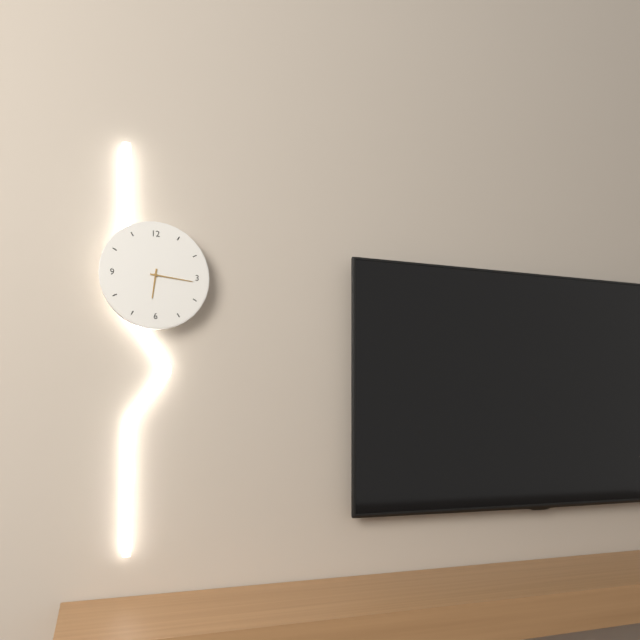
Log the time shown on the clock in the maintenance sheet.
6:16
